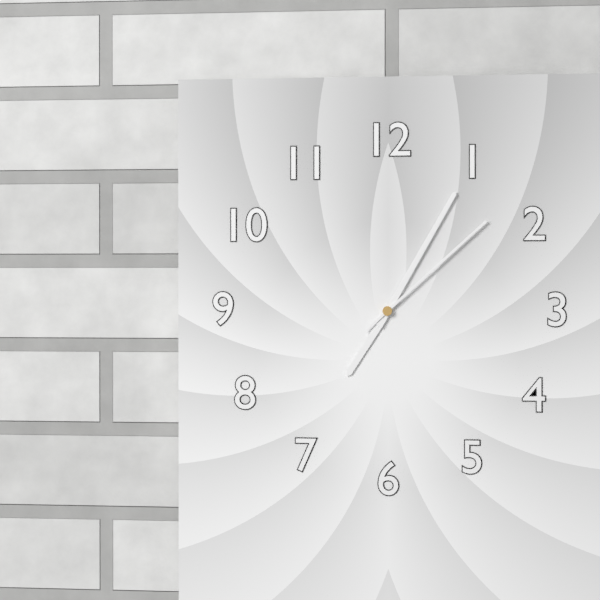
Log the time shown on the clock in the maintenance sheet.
7:05:08
